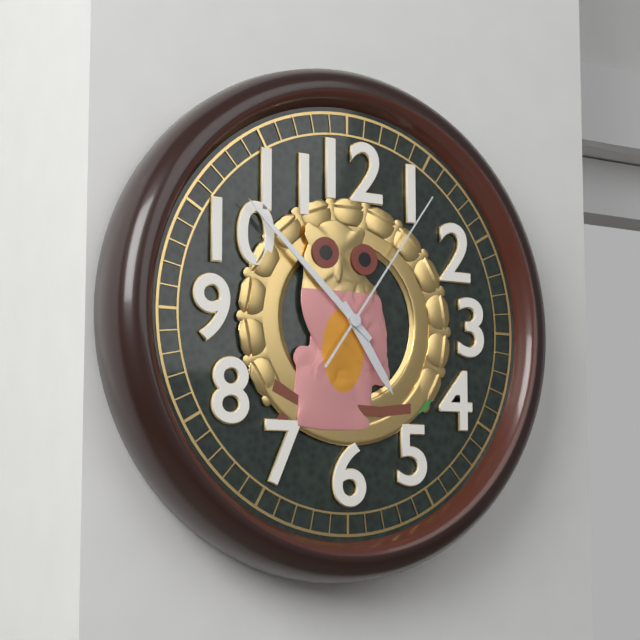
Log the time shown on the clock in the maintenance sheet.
4:52:06
